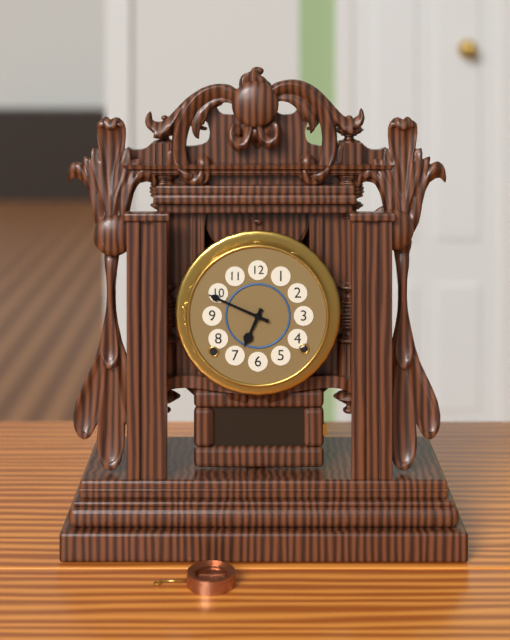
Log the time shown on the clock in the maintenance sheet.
6:49
